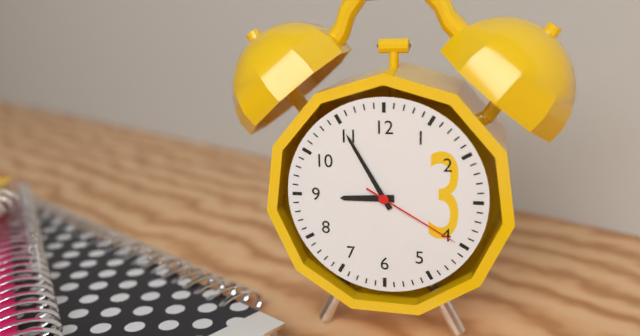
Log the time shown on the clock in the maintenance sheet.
8:55:20
